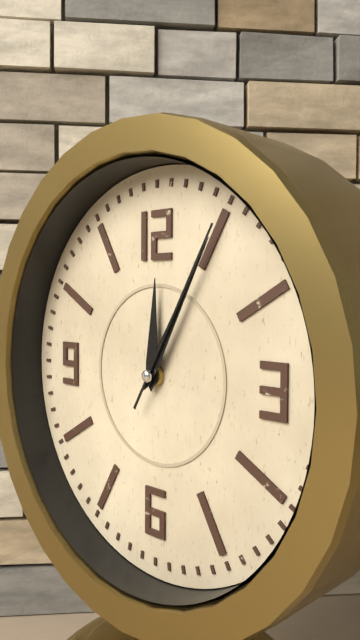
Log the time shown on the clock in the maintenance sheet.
12:05:05
